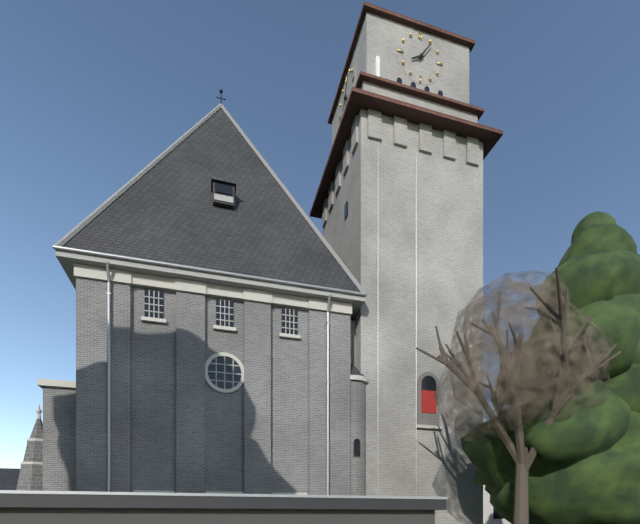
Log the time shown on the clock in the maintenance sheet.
8:06
